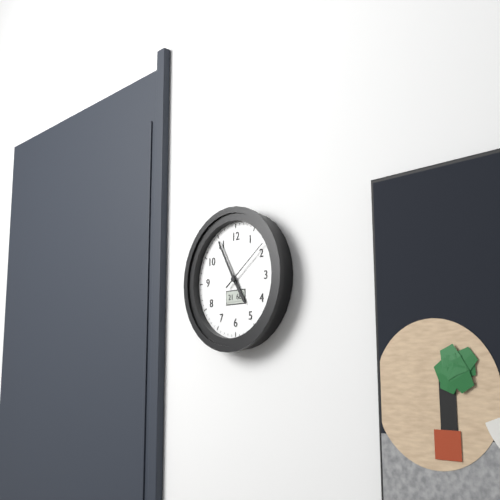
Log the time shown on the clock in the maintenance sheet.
4:55:09
